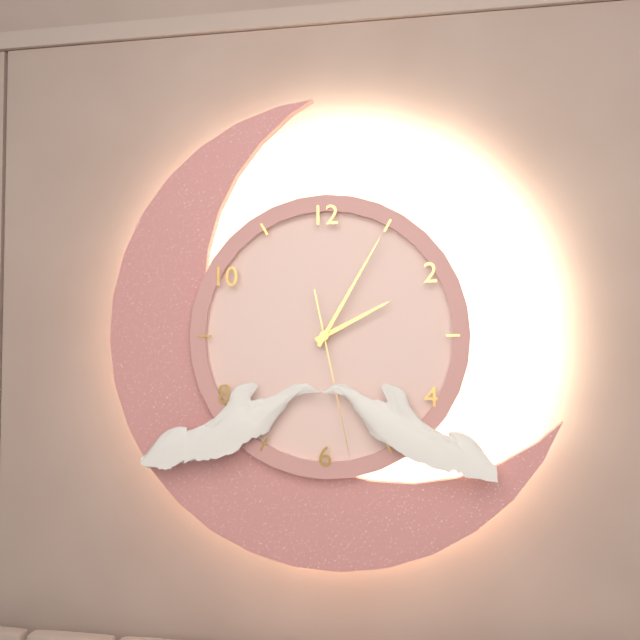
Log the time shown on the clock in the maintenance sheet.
2:05:28
